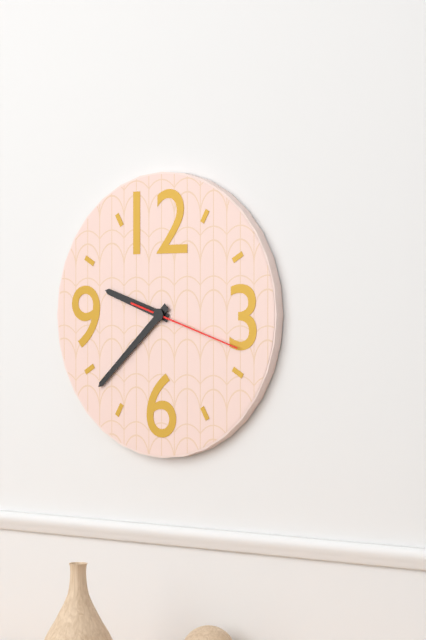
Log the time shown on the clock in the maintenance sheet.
9:38:18
